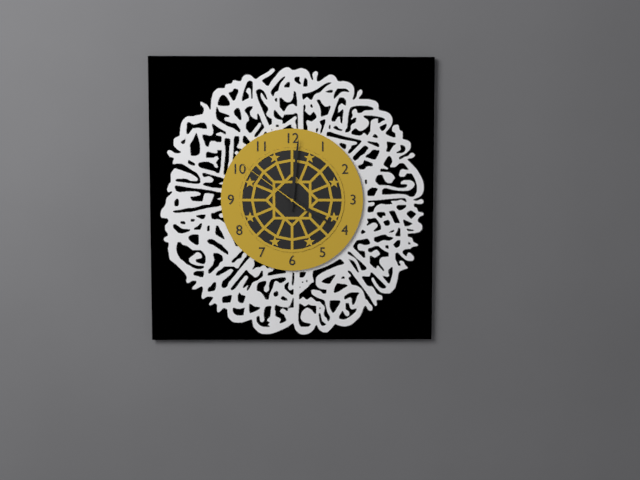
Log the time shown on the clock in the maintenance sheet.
4:01:51
